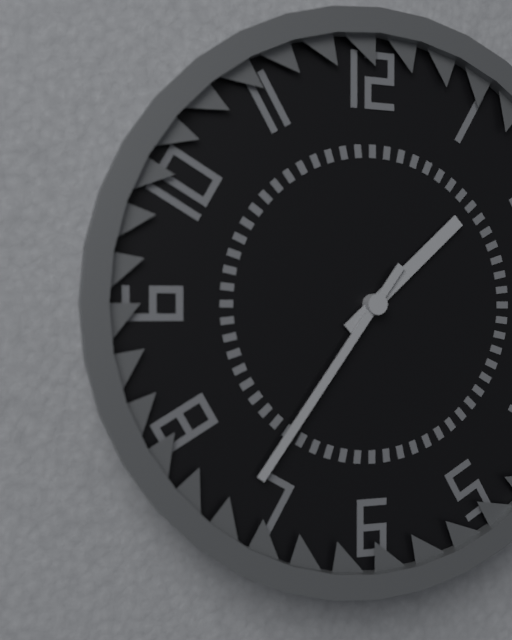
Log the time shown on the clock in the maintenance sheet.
1:36
